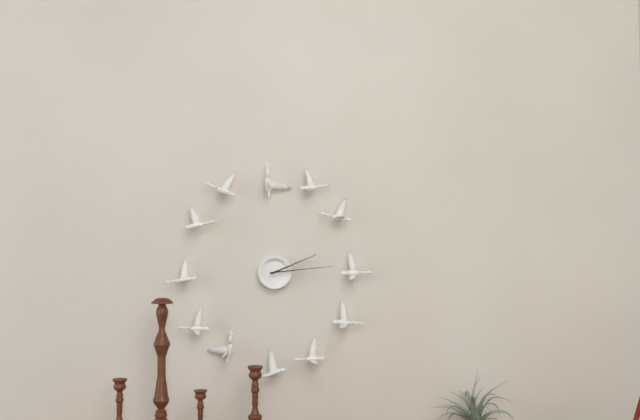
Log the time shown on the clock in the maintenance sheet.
2:14
